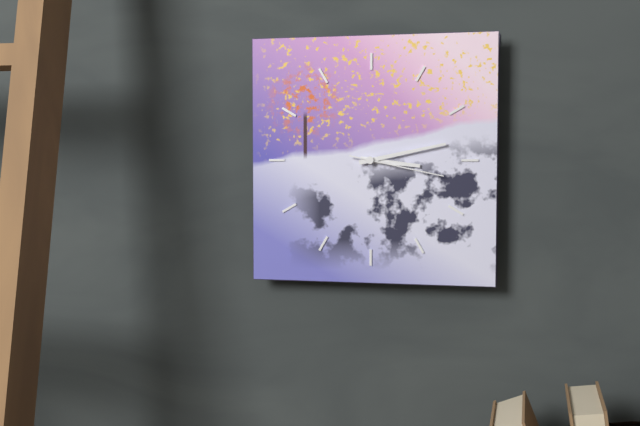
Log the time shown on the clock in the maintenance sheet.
3:13:17
